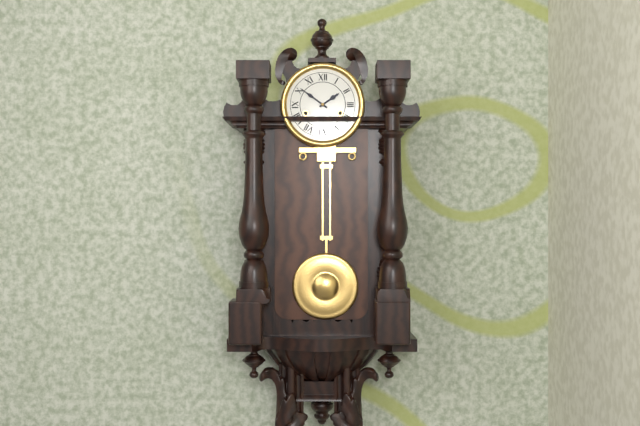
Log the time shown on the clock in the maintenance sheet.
1:51
